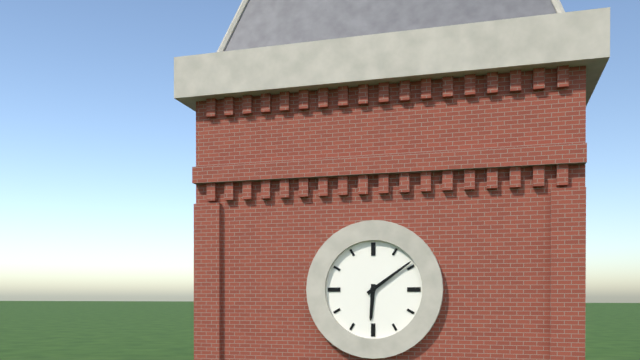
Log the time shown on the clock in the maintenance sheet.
6:09
